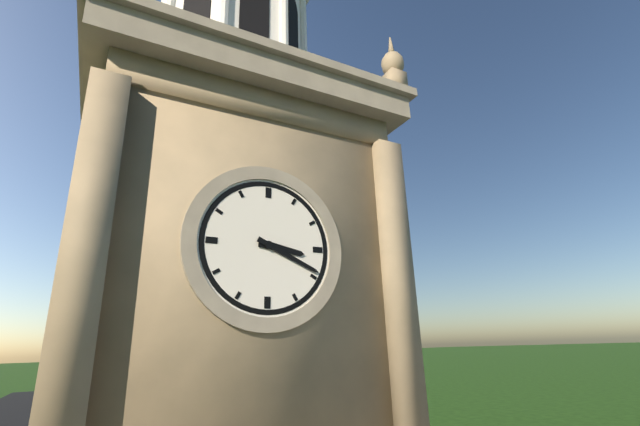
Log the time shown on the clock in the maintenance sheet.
3:19
